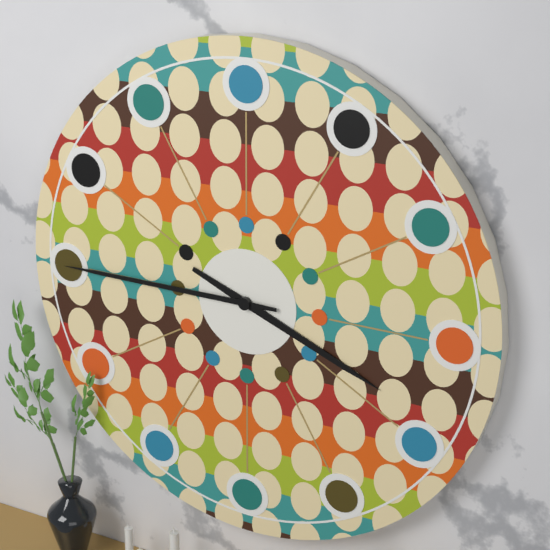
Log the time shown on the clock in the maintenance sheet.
3:45
